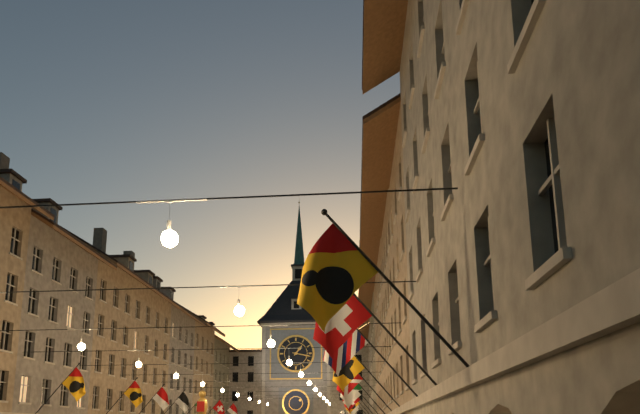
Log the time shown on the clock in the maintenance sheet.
1:17
